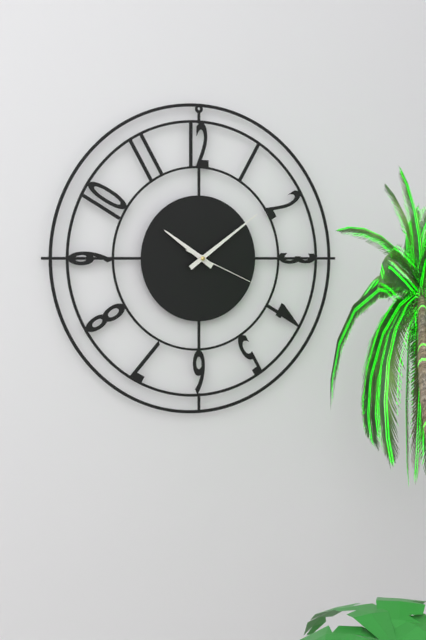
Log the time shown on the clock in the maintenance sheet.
10:09:19
